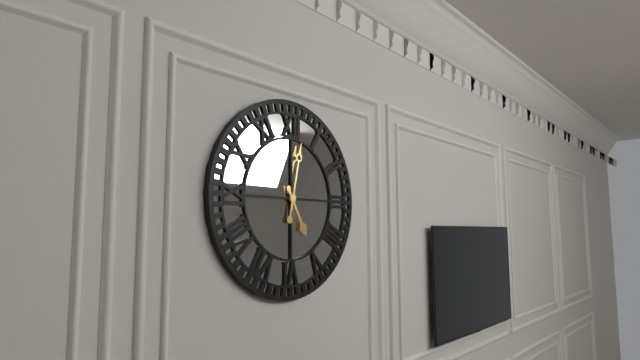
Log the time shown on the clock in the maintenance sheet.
5:02
